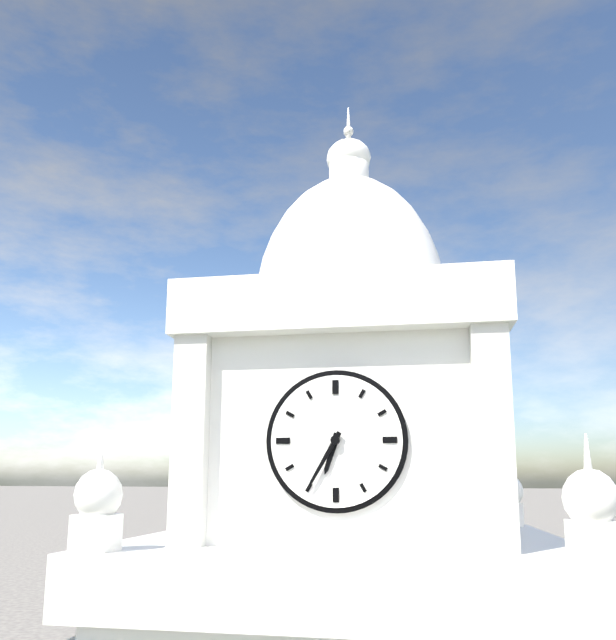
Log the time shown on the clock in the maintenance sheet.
6:35
